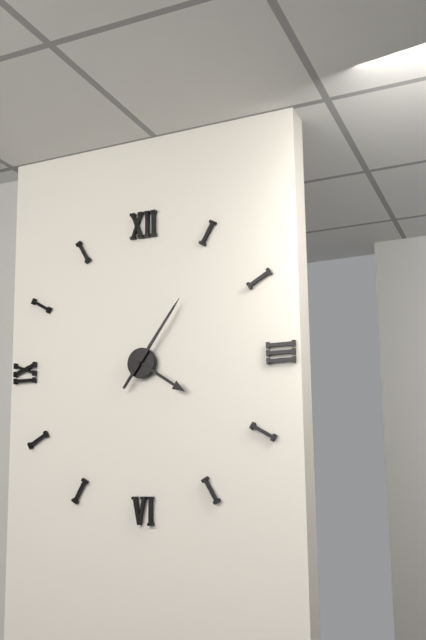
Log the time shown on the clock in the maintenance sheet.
4:06
